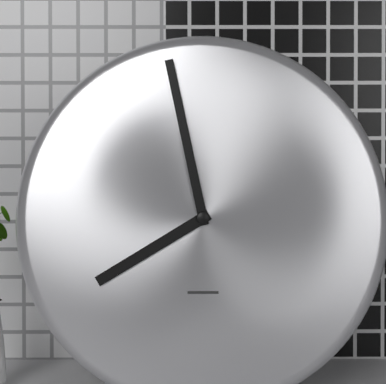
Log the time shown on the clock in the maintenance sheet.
7:58
